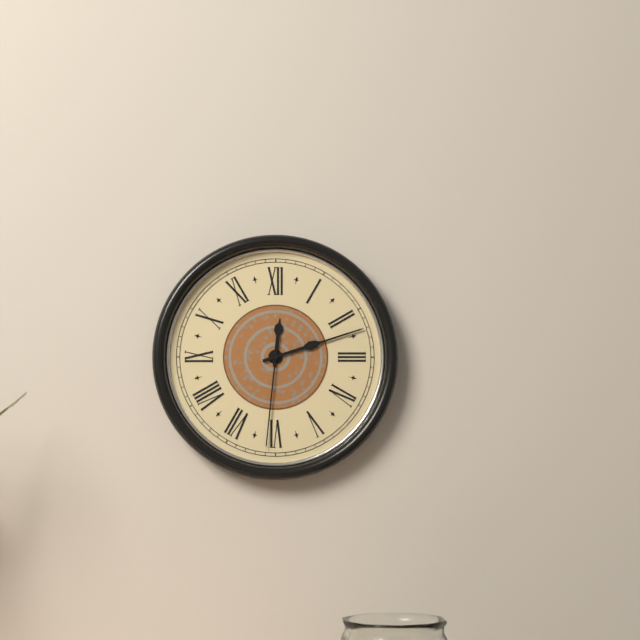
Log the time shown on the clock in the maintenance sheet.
12:12:31
